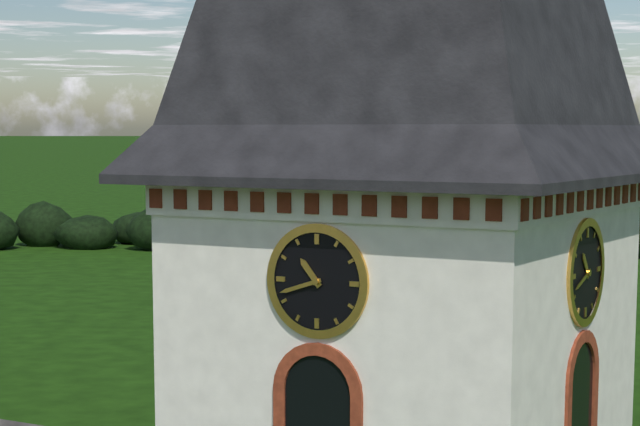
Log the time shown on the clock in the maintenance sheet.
10:42
